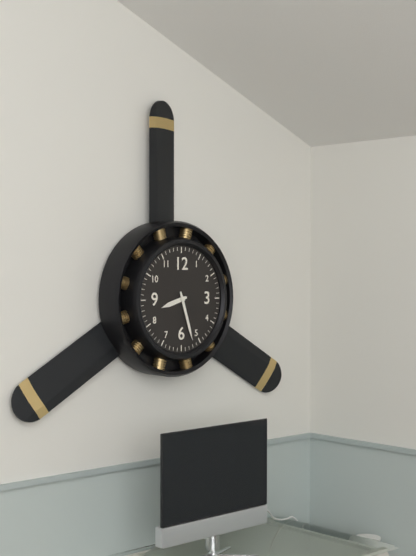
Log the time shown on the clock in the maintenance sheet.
8:27
